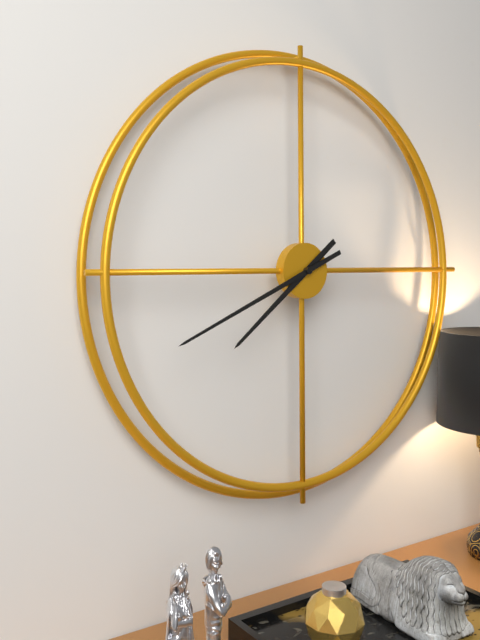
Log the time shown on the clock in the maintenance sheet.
7:41
